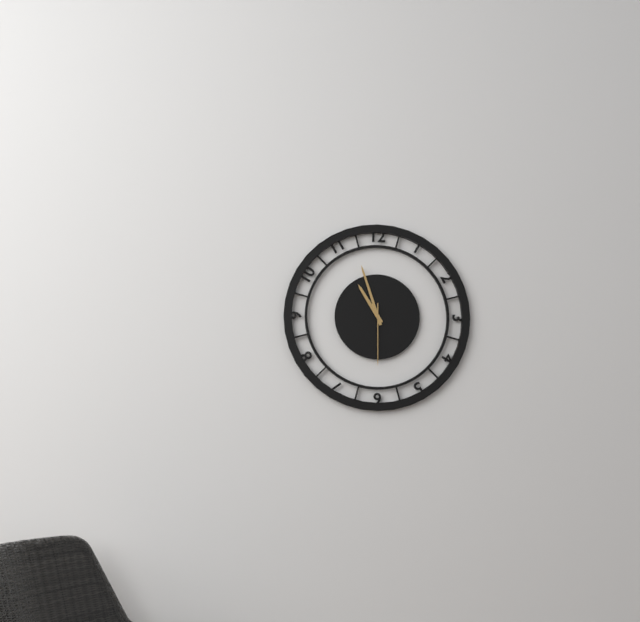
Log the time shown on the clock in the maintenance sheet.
10:57:30
